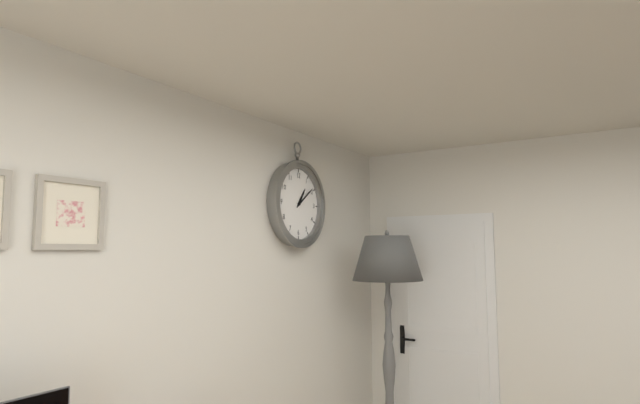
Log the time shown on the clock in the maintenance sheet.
1:09
